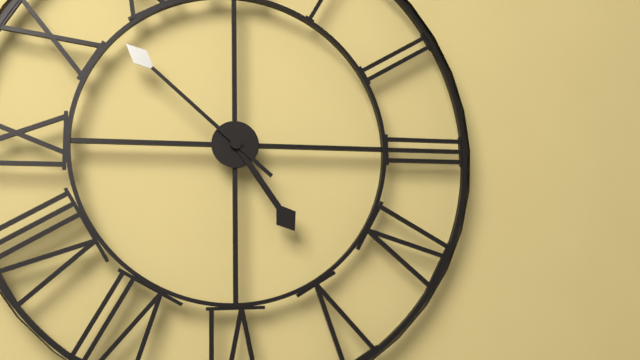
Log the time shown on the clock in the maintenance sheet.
4:52
